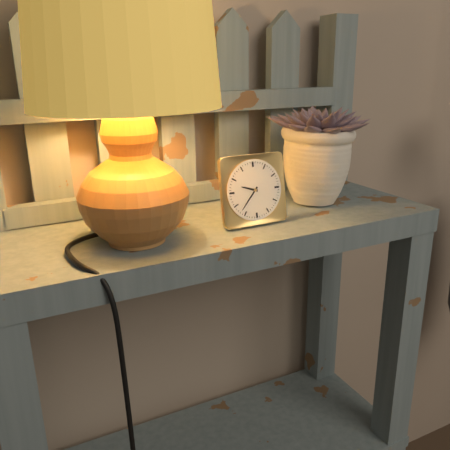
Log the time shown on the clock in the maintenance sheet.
9:37
